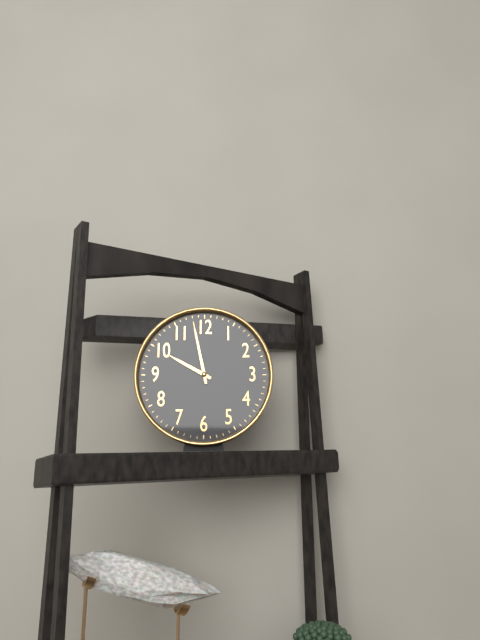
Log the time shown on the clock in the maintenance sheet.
9:58
